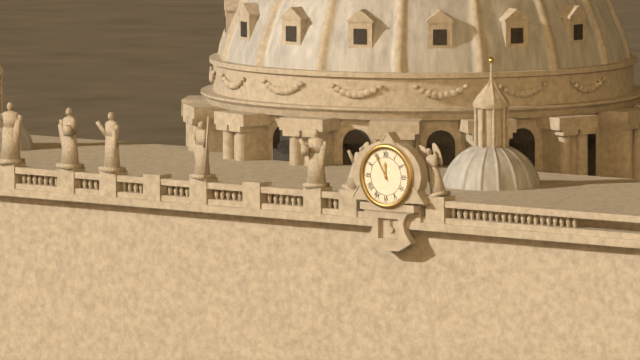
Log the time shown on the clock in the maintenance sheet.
11:55
